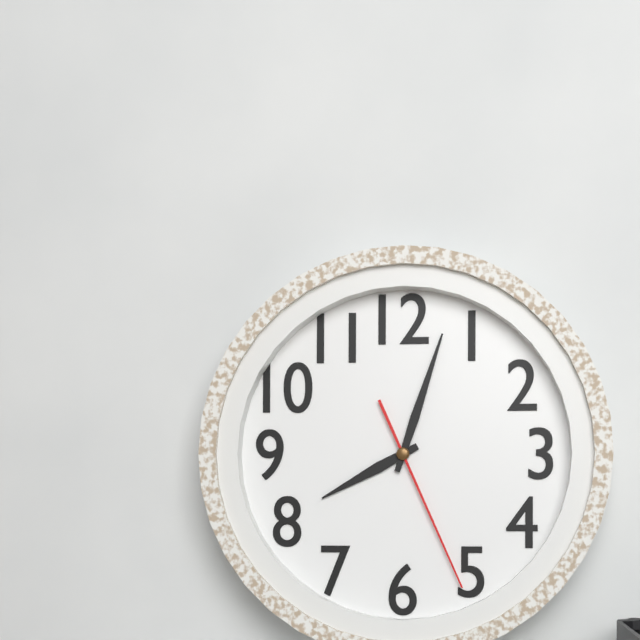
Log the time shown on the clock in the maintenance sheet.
8:03:26
